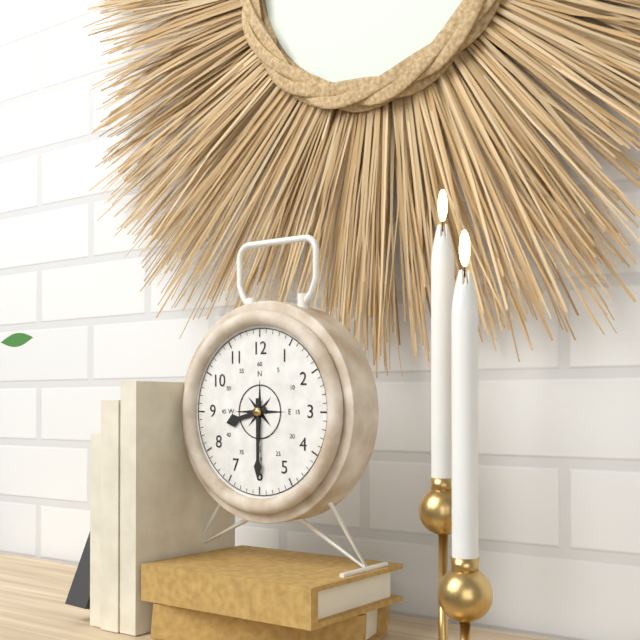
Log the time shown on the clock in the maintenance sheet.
8:30
